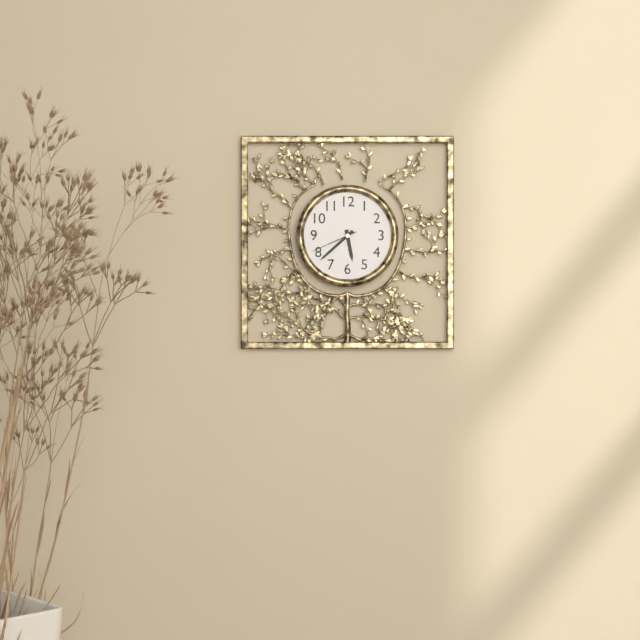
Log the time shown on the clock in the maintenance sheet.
5:38
